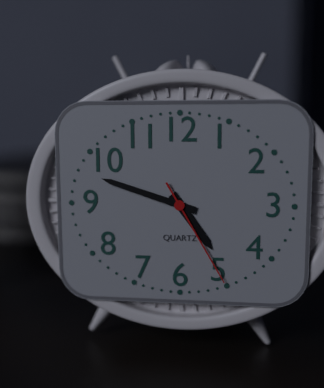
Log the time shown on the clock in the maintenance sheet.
4:48:25
